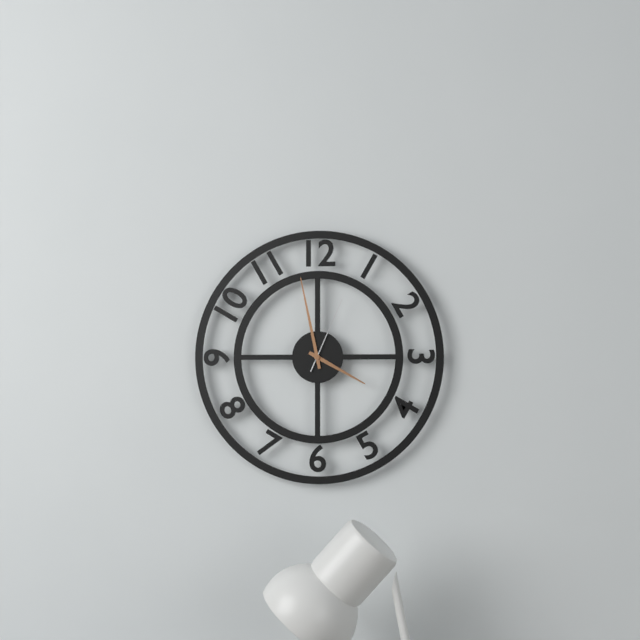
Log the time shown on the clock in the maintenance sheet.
3:58:04
